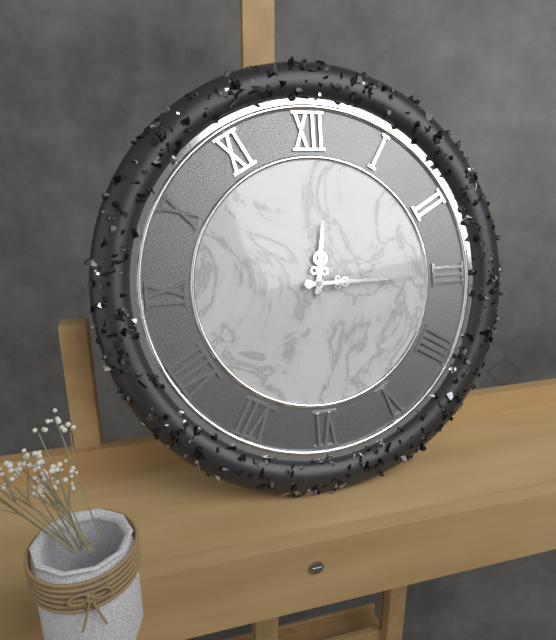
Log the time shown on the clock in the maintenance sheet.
12:15
